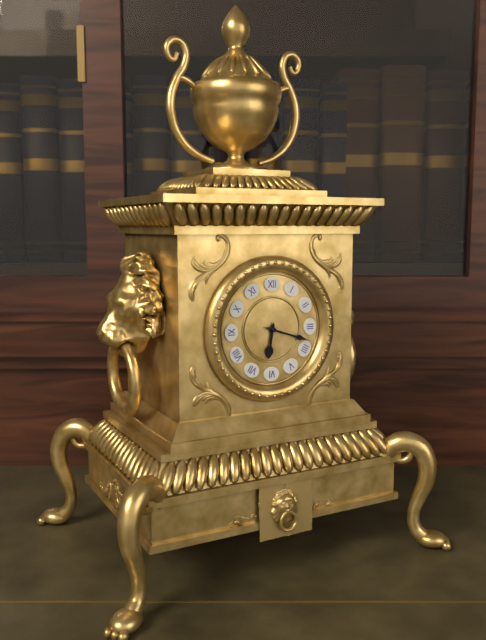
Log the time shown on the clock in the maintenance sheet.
6:18
